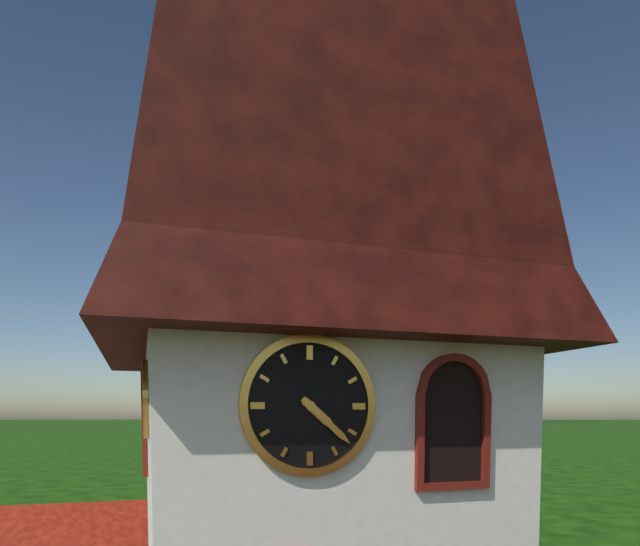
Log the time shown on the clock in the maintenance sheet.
4:22
